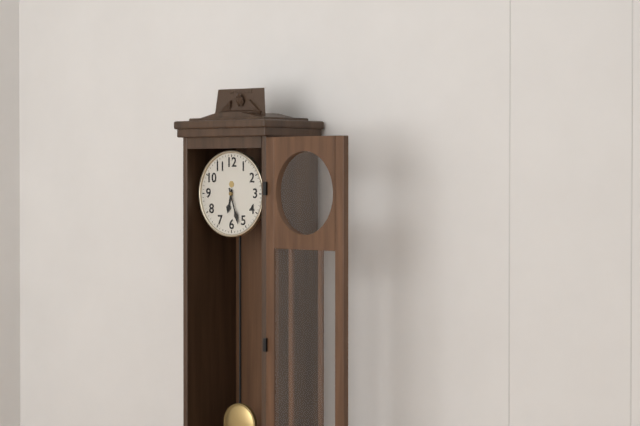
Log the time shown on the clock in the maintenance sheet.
6:27
